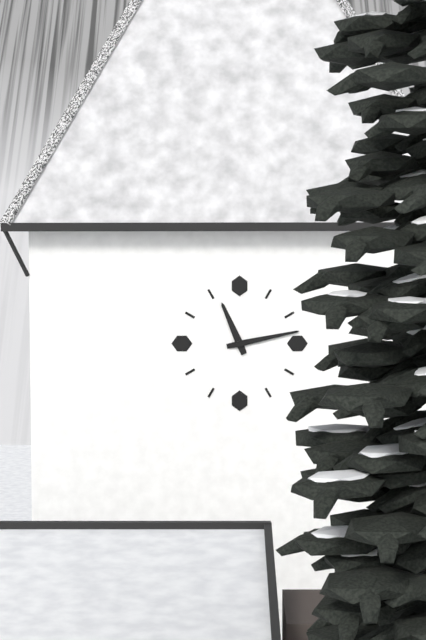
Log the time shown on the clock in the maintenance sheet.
11:13
